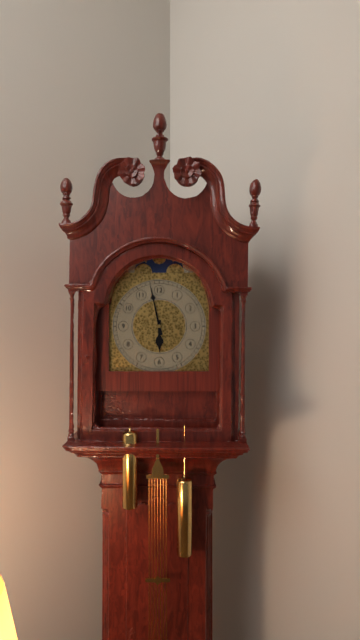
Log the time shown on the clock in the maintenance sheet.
5:58
